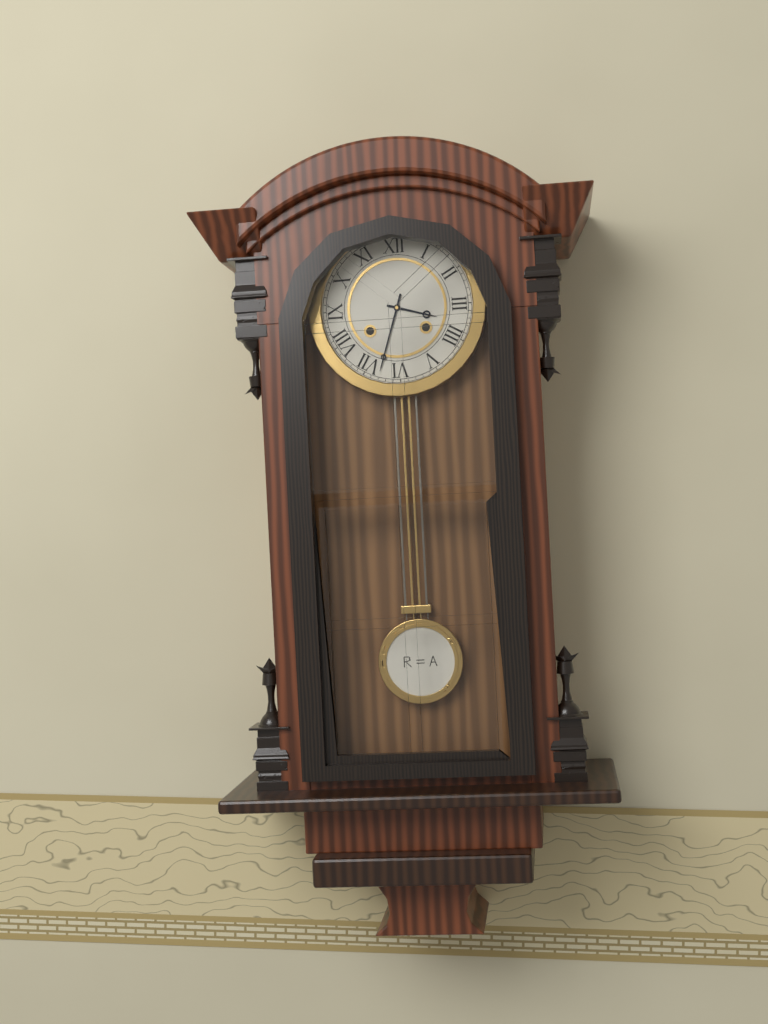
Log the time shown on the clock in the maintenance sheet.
3:33
